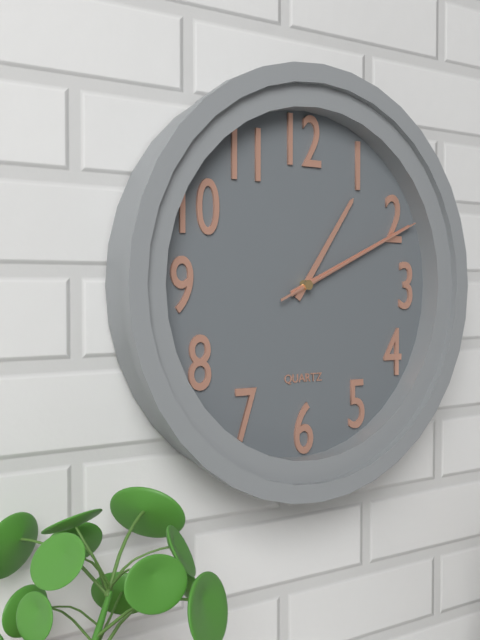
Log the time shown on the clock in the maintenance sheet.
1:11:11
